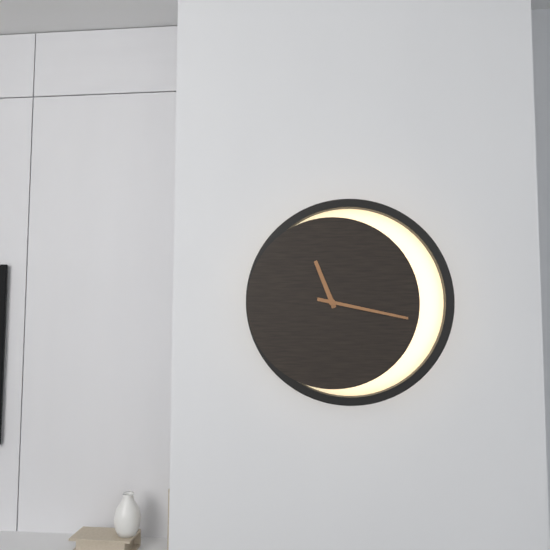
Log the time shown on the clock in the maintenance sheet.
11:17
